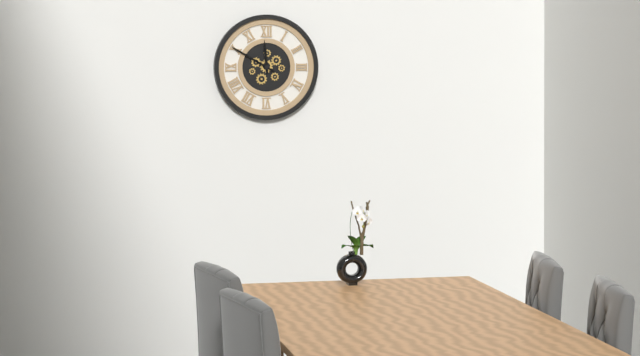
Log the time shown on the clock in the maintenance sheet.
11:50
